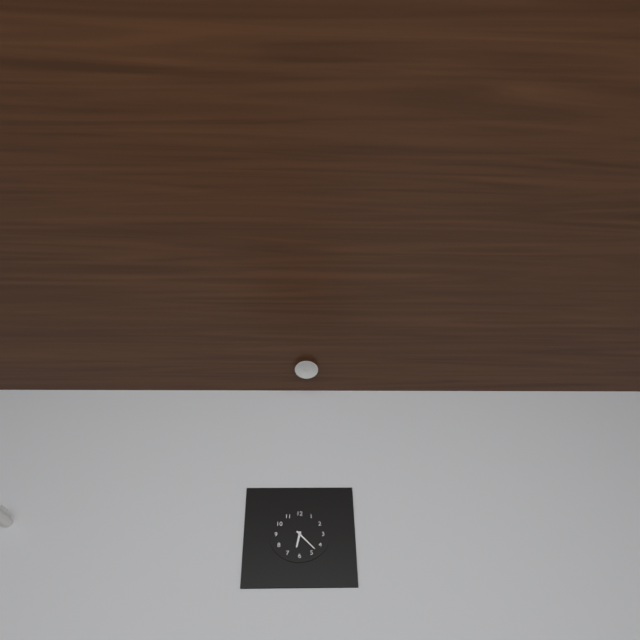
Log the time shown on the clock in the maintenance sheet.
6:23
